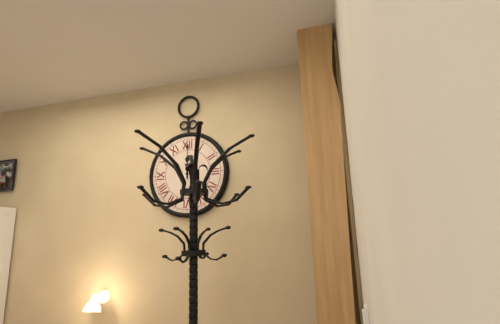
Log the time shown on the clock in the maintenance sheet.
12:00
